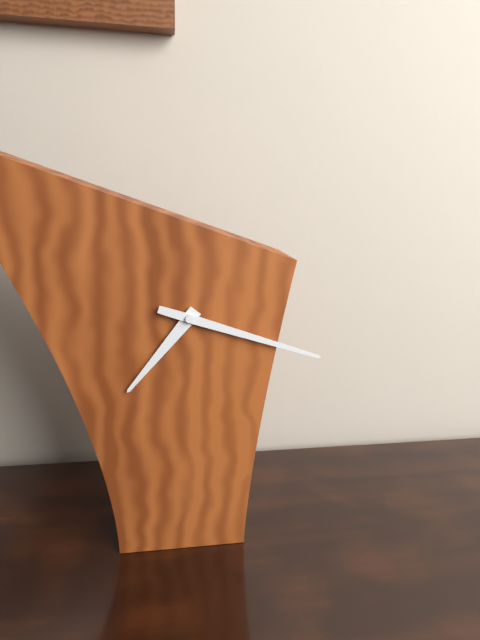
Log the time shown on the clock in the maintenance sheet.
7:18
